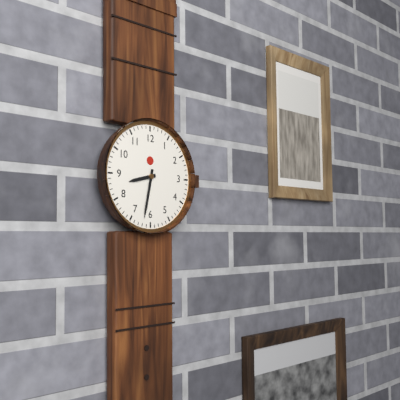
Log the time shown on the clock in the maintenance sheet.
8:32
